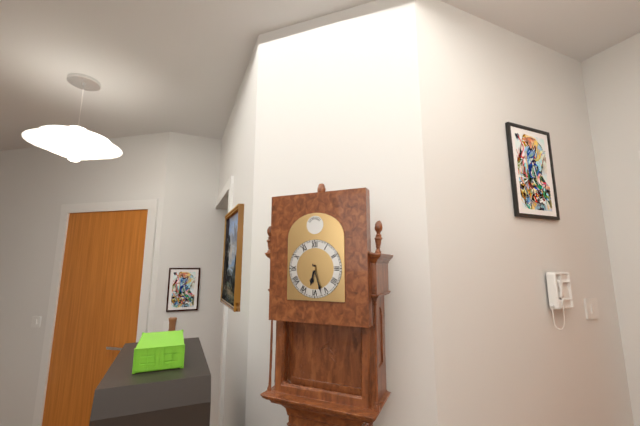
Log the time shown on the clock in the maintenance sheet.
6:27
